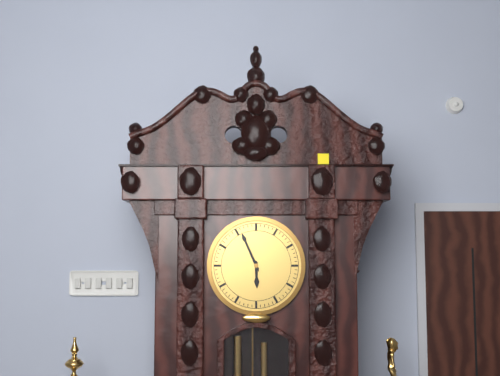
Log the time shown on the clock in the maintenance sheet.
5:56
